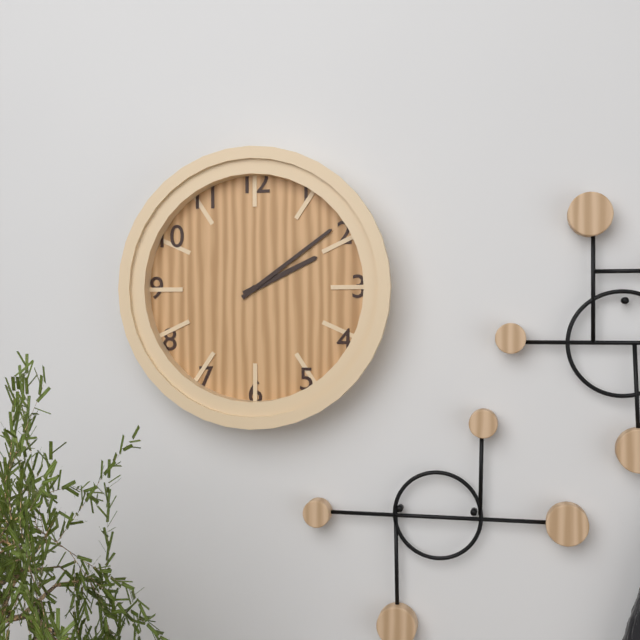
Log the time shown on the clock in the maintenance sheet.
2:09
